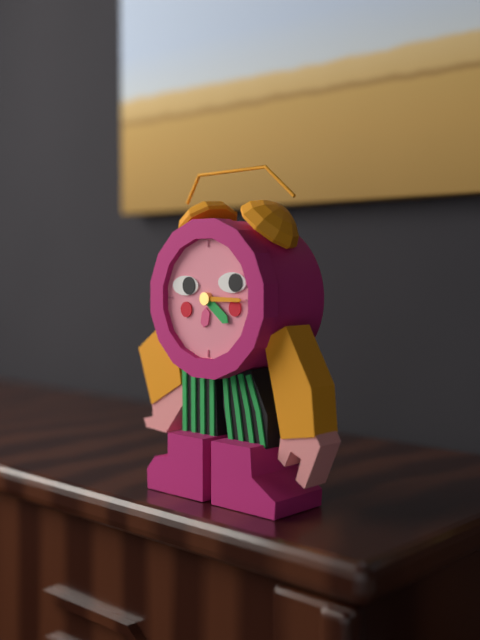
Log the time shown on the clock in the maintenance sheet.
4:15
